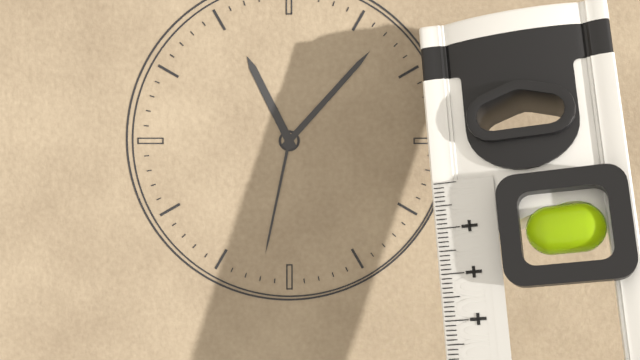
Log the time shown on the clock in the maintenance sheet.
11:07:32
